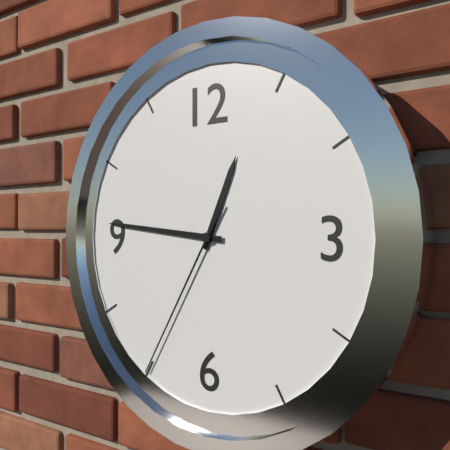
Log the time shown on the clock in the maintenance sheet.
12:46:35
